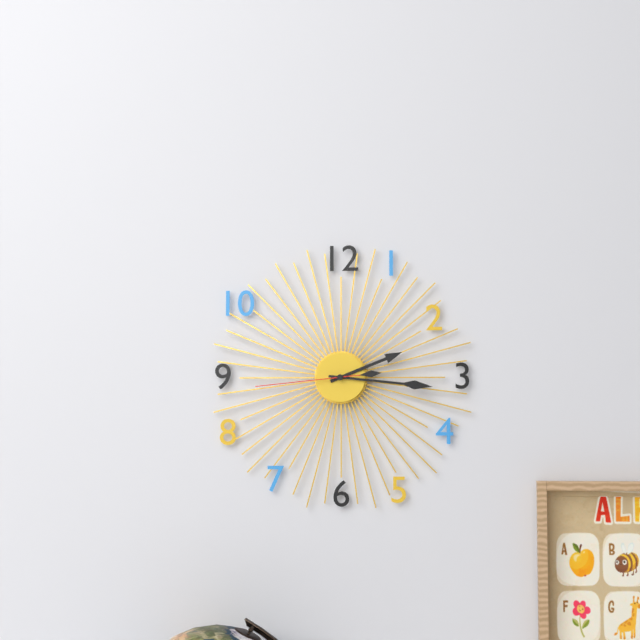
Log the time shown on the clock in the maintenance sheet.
2:16:44
